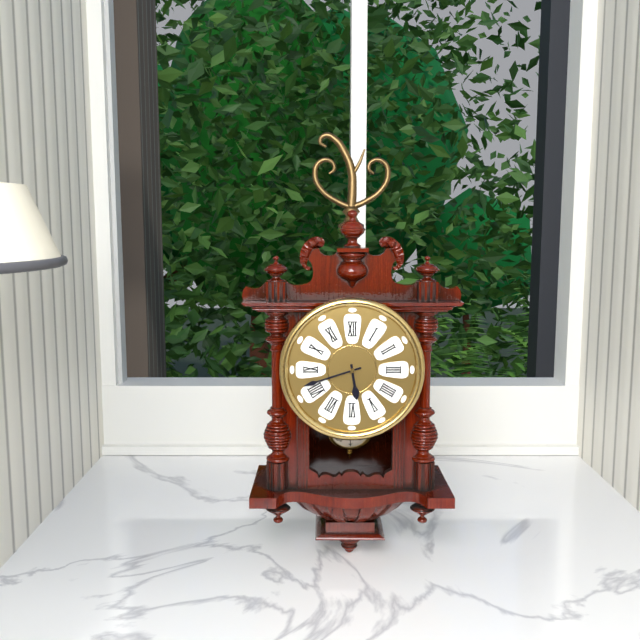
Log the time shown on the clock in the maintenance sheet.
5:42
